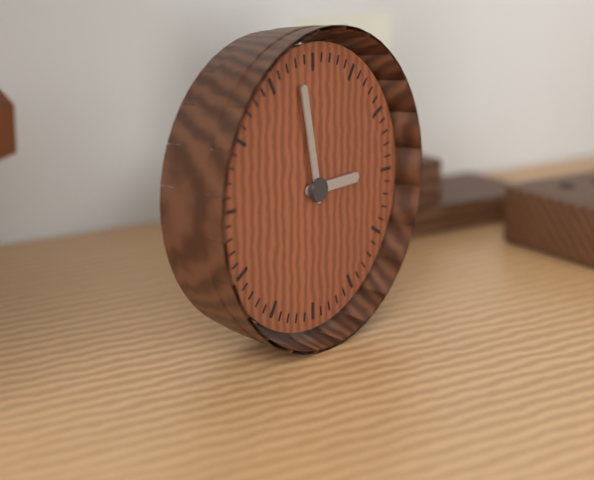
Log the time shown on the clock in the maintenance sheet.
2:58
